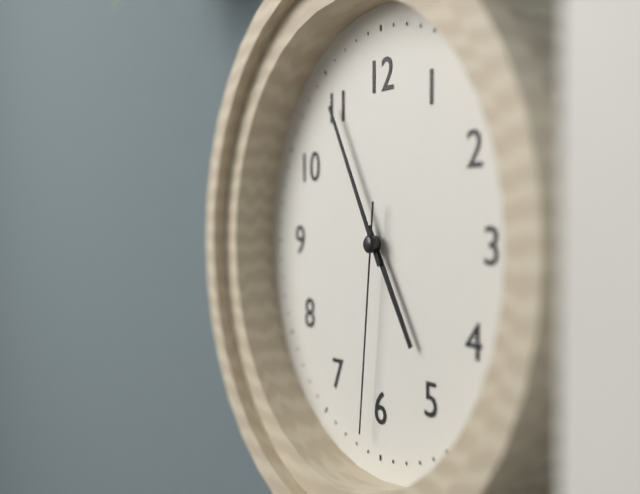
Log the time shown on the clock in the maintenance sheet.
4:55:31
